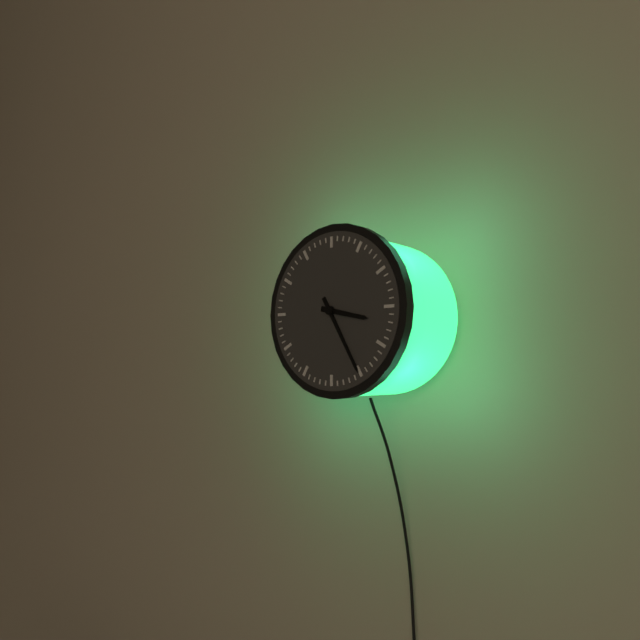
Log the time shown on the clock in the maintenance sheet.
3:25
